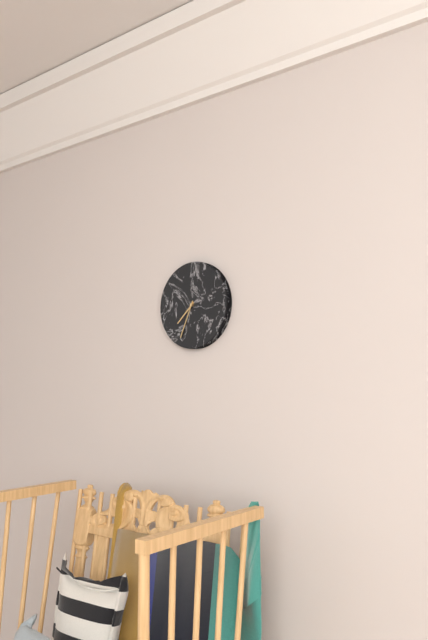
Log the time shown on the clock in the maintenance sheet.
7:34
